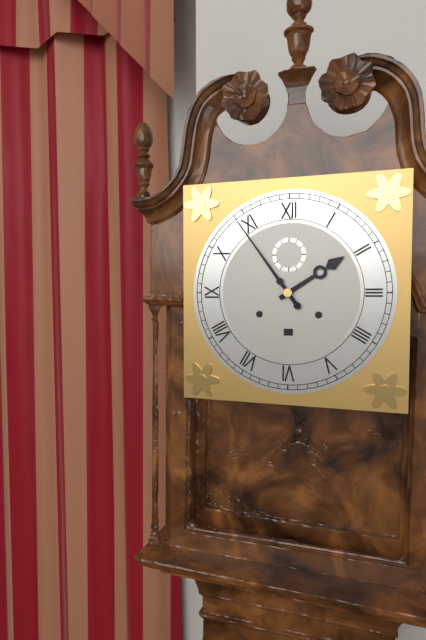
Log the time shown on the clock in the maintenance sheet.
1:54
